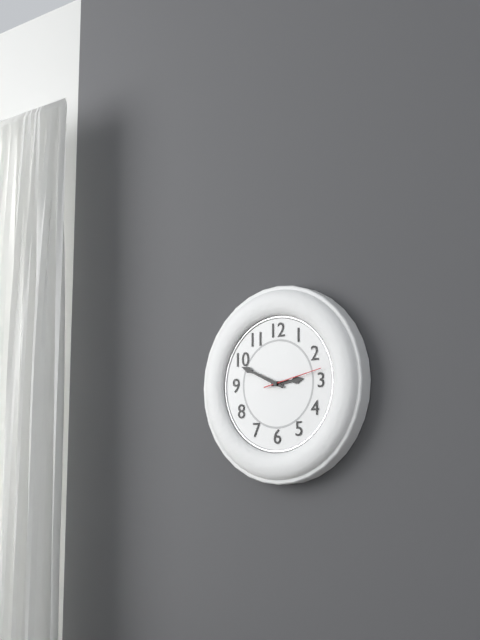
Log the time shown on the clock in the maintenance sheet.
2:49:13
